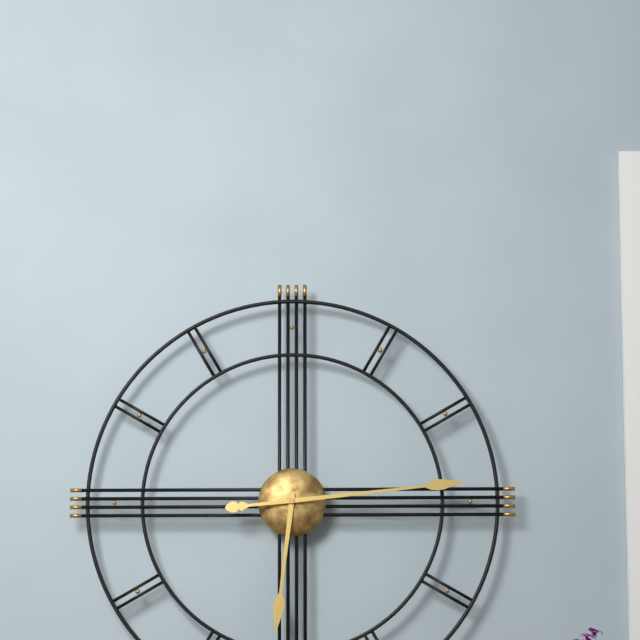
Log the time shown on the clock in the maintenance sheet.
6:14
